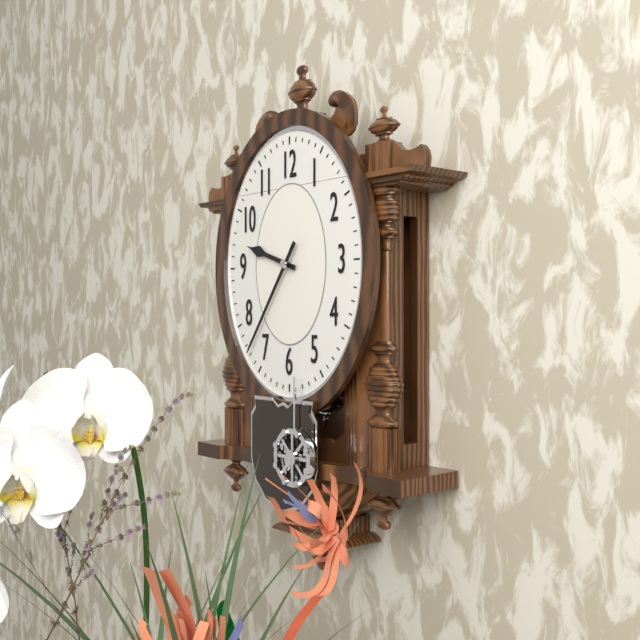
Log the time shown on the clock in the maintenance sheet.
9:36
